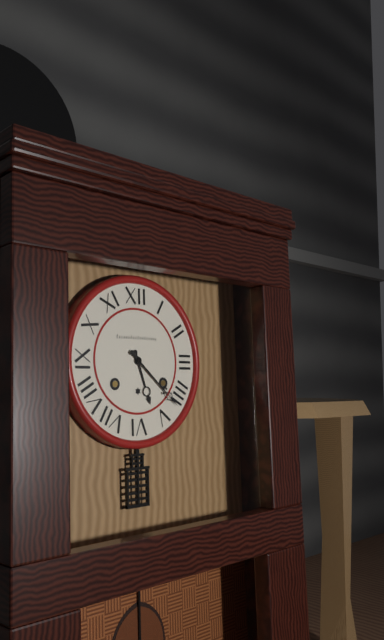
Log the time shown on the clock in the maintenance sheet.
5:22
